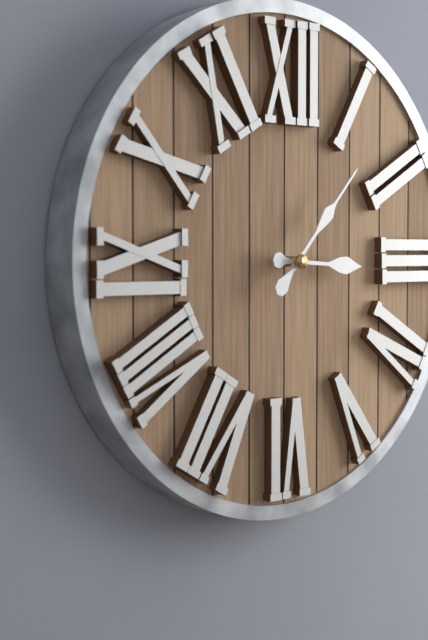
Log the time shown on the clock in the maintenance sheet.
3:07
